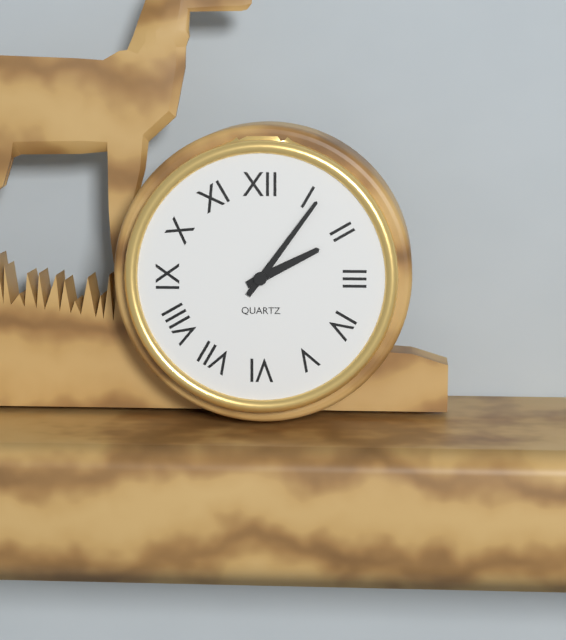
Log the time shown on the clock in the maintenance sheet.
2:06
